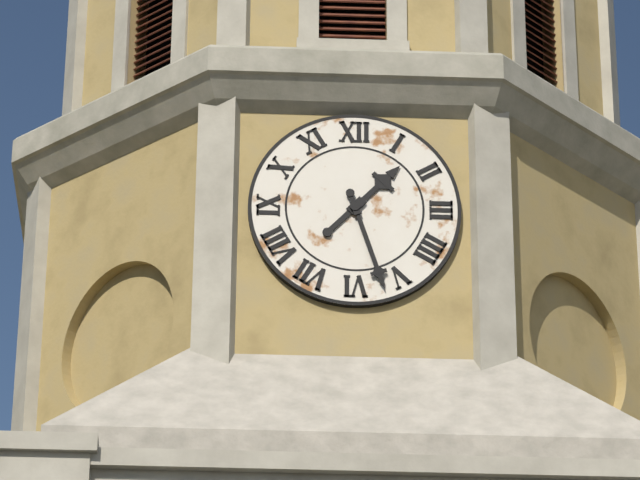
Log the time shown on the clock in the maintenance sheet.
1:27
